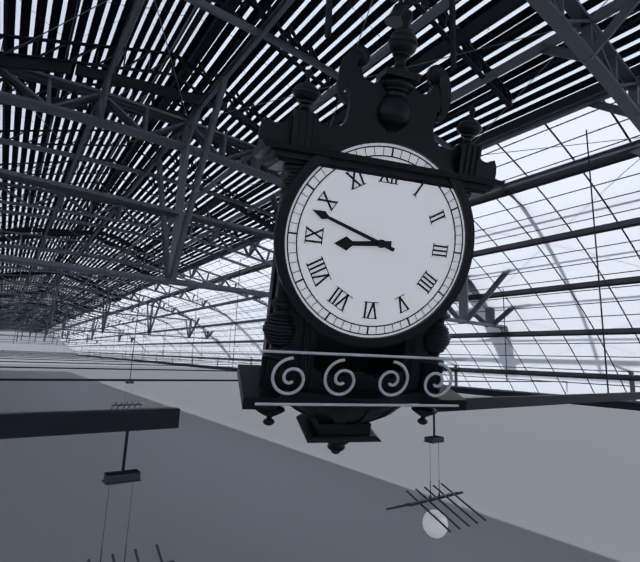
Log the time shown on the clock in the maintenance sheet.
8:48
